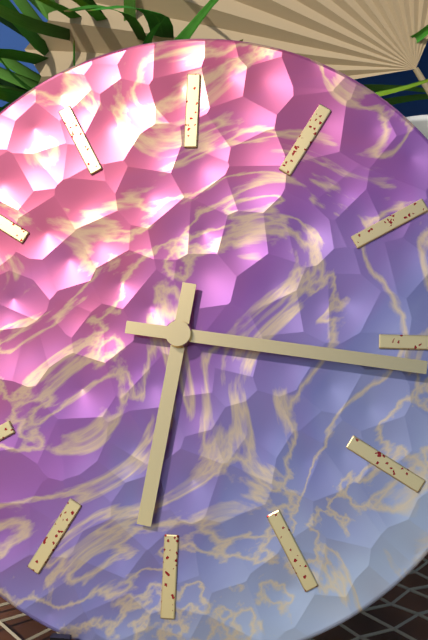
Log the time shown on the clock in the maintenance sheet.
6:16
